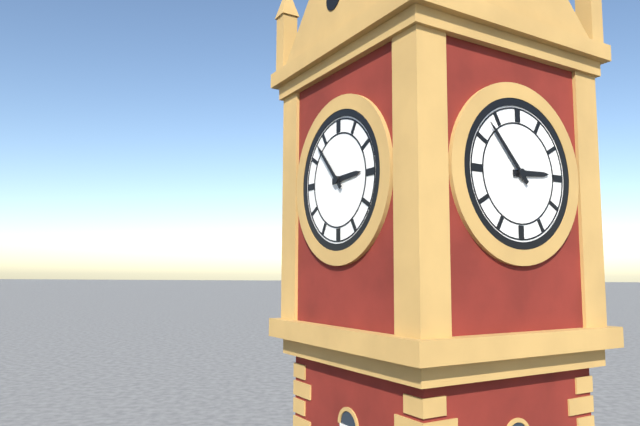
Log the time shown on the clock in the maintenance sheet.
2:53
